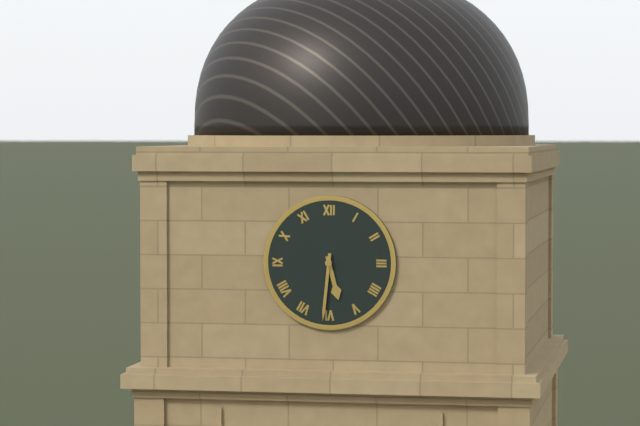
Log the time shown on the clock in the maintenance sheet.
5:31
